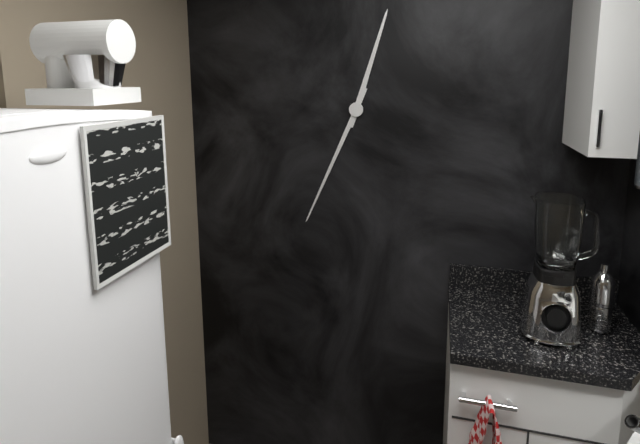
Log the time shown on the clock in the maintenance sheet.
12:34
